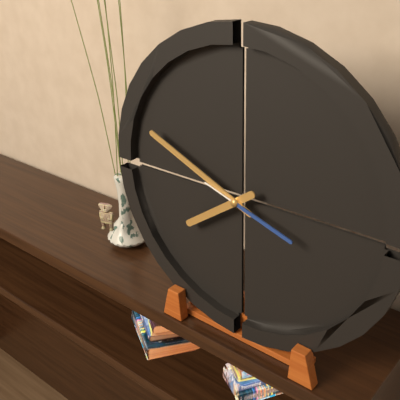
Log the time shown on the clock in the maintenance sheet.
7:49:18
